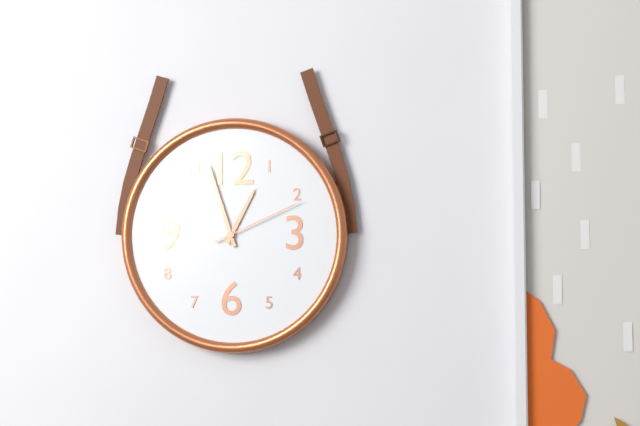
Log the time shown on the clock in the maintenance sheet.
12:57:11
